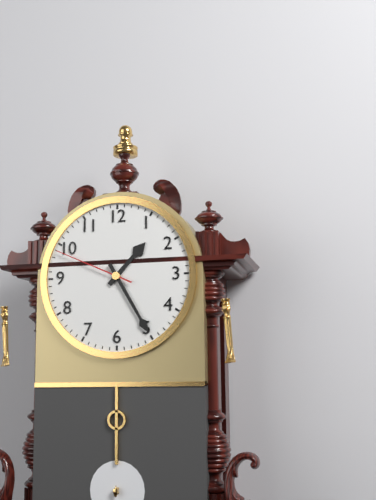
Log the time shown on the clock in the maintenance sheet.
1:25:49
